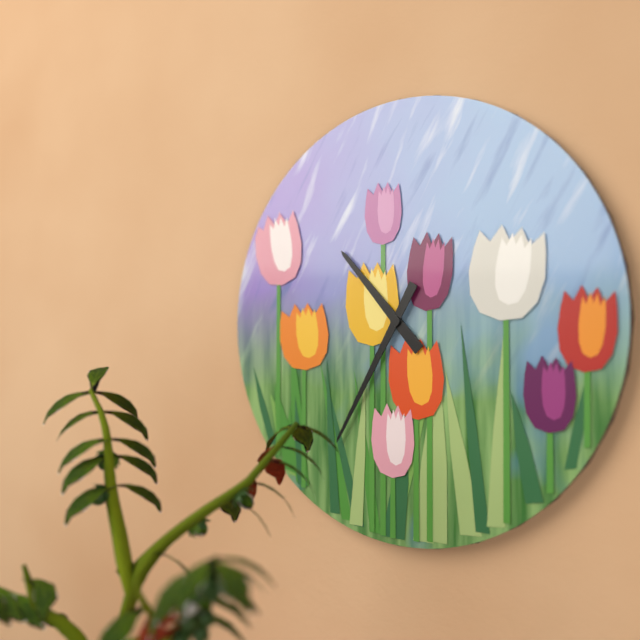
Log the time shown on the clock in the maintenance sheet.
10:35
